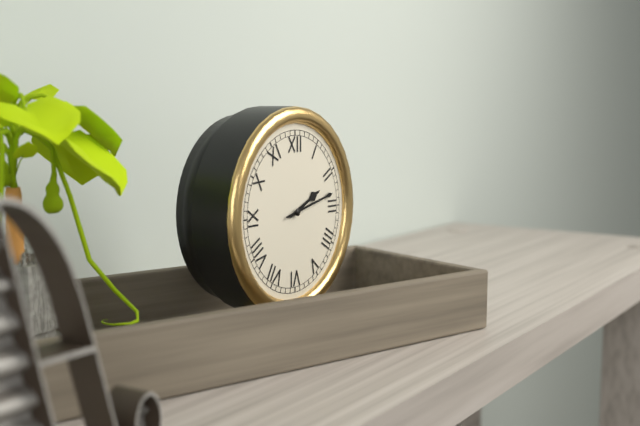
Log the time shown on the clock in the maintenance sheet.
2:13
